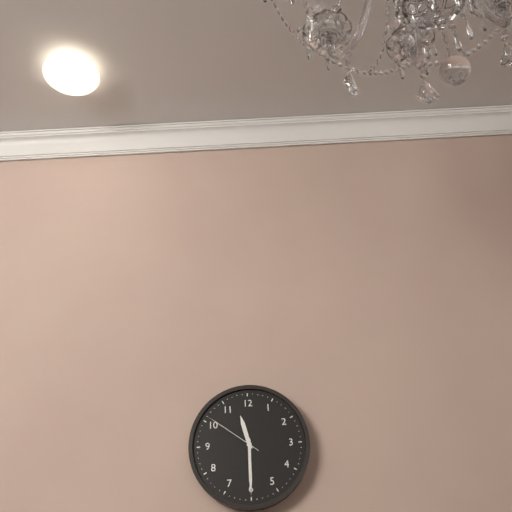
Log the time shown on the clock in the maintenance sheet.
11:30:51
